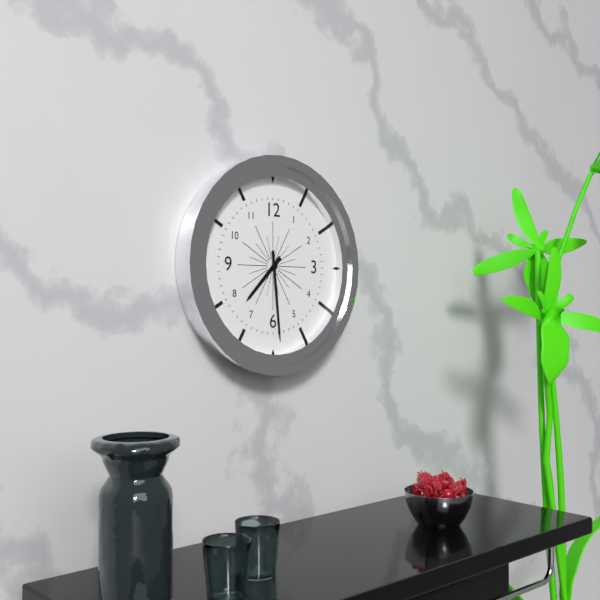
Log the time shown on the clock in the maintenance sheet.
7:29
